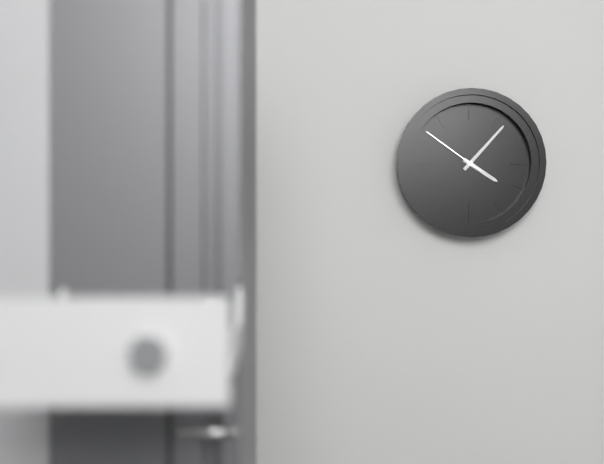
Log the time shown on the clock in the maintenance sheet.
4:07:51
